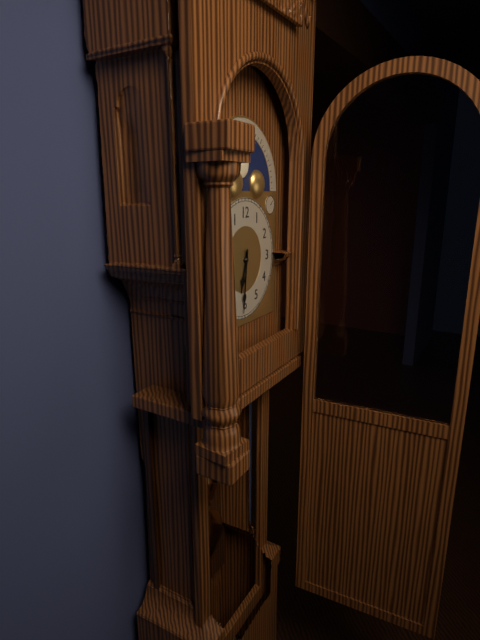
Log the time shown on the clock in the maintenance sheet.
6:31
